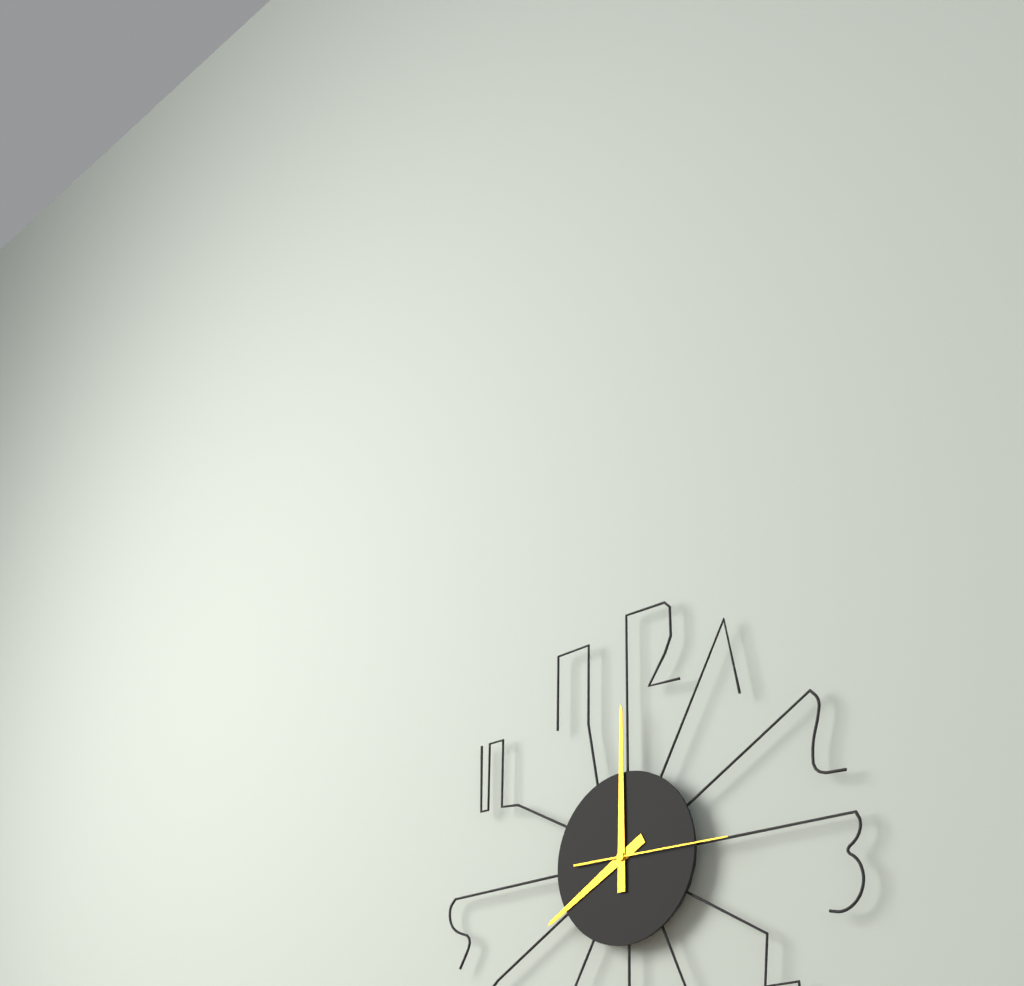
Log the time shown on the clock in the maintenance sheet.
8:00:15
